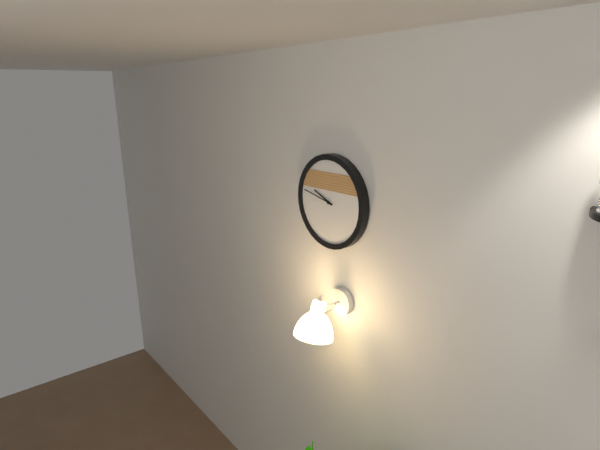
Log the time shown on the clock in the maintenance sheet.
9:47
